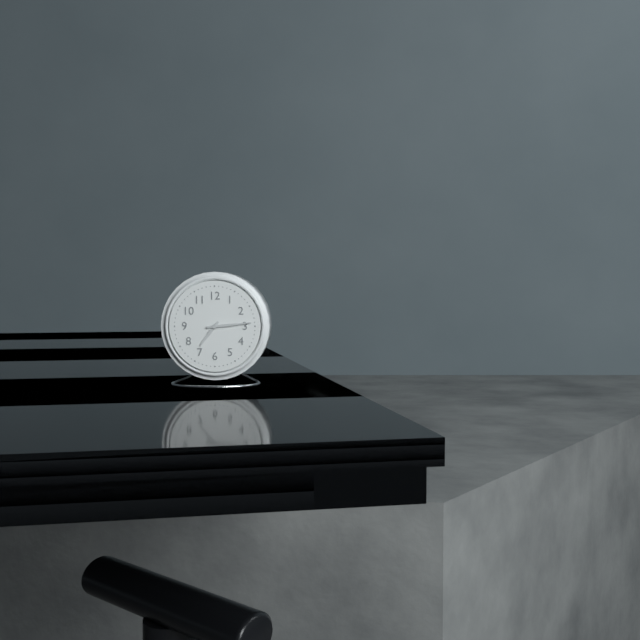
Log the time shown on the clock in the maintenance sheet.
7:14
